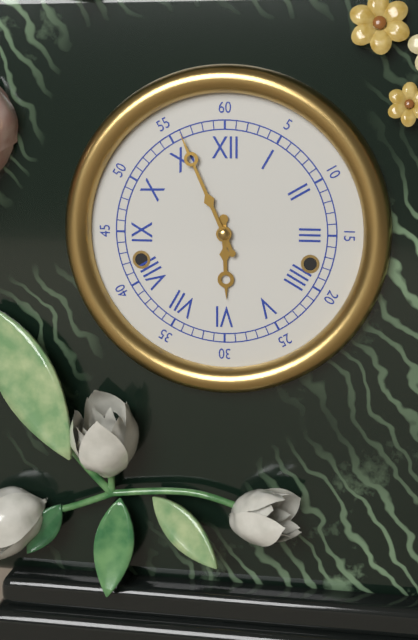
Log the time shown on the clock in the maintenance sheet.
5:56
